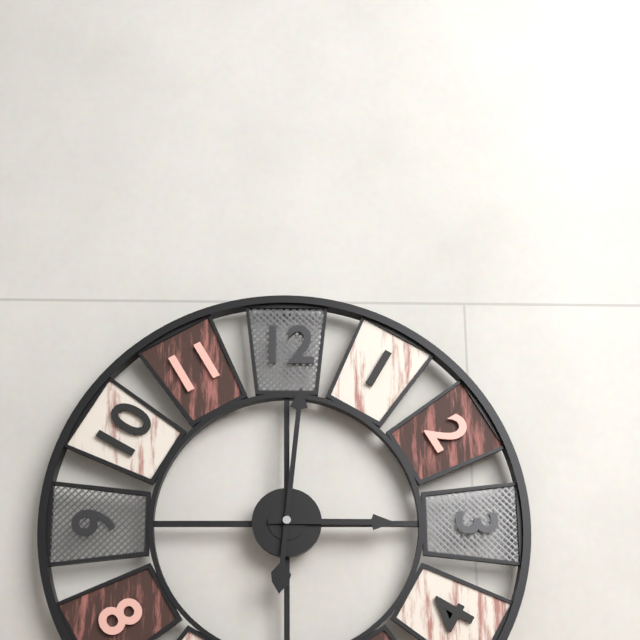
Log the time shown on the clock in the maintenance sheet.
3:01
